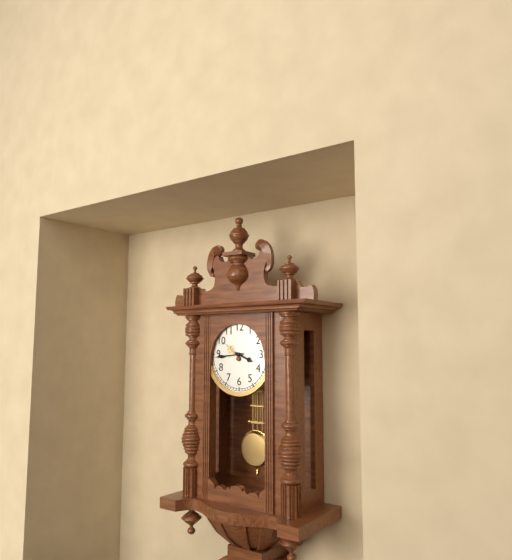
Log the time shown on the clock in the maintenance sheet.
3:44
